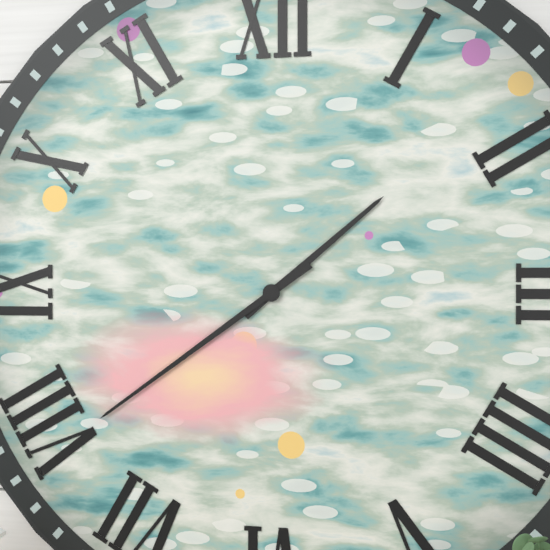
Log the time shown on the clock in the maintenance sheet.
1:39
